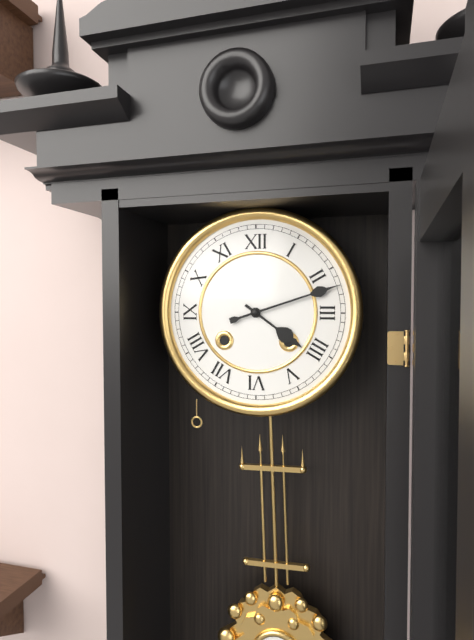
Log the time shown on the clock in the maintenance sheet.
4:12
